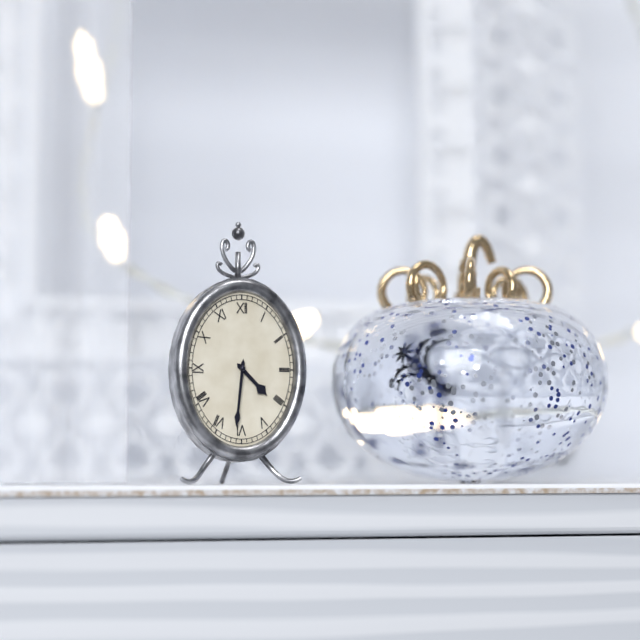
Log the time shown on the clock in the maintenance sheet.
4:31
